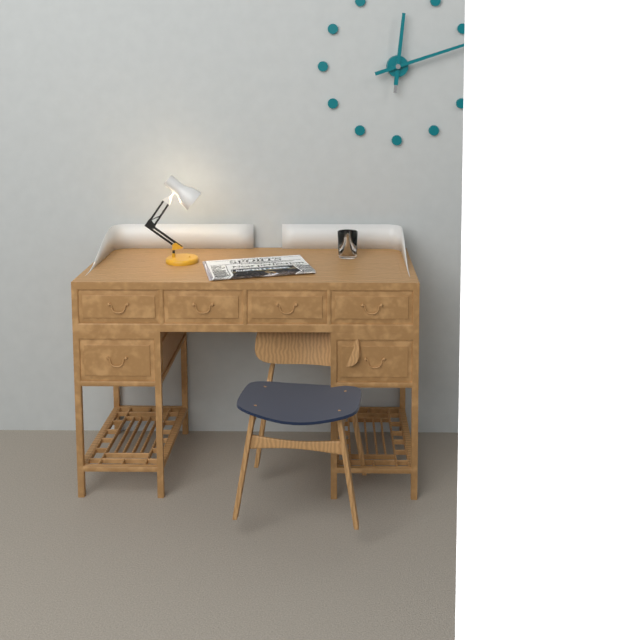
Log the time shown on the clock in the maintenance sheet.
12:12
